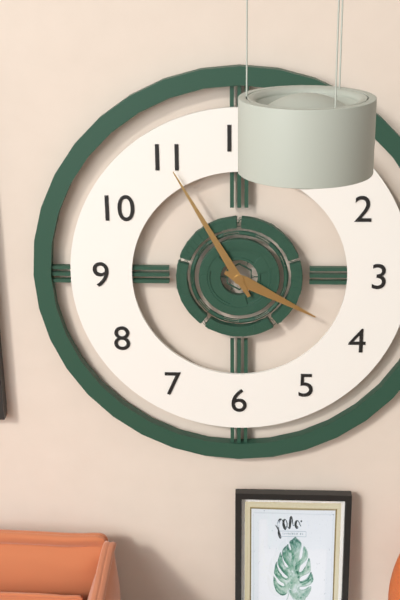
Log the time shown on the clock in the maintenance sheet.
3:55
